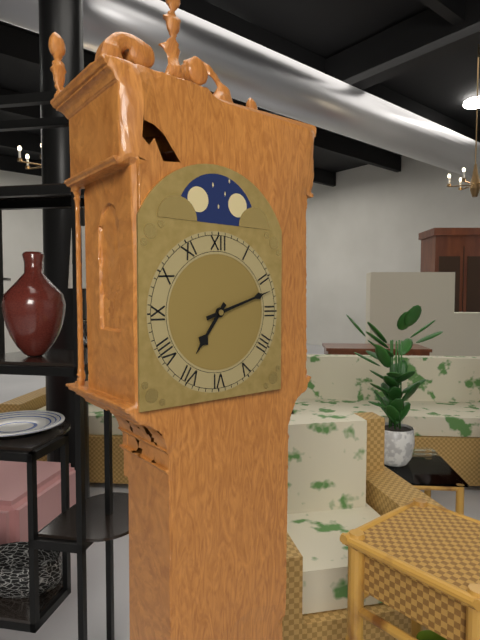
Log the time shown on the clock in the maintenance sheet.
7:12
